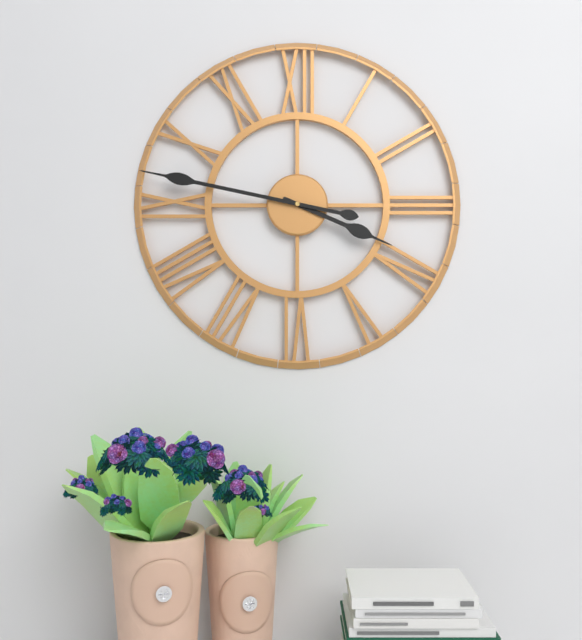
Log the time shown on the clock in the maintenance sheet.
3:47
